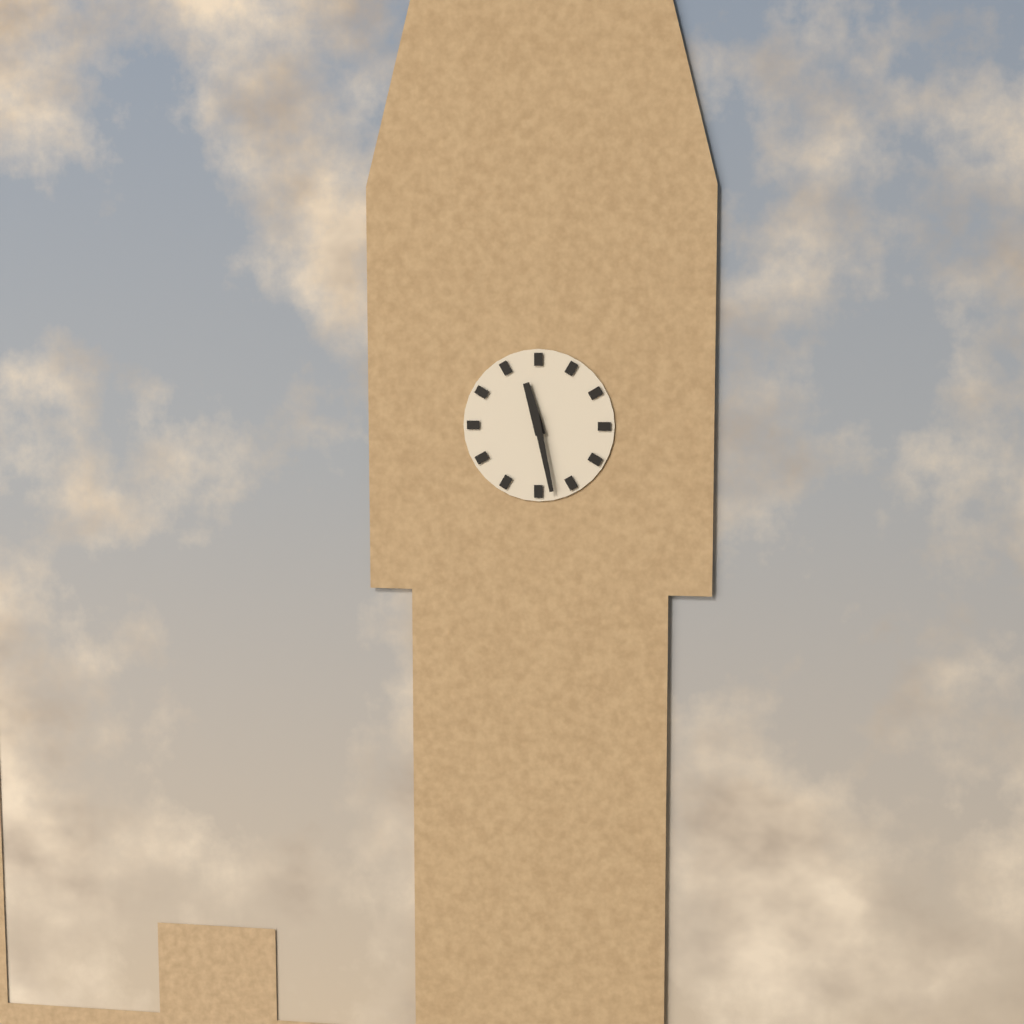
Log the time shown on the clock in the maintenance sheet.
11:28
